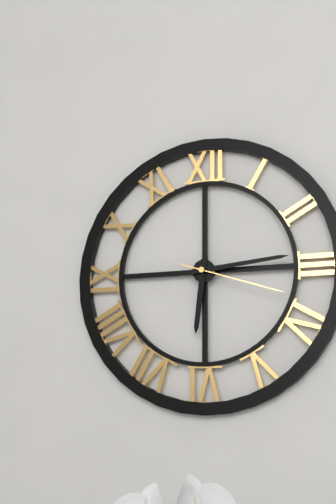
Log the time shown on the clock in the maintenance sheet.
6:14:18
